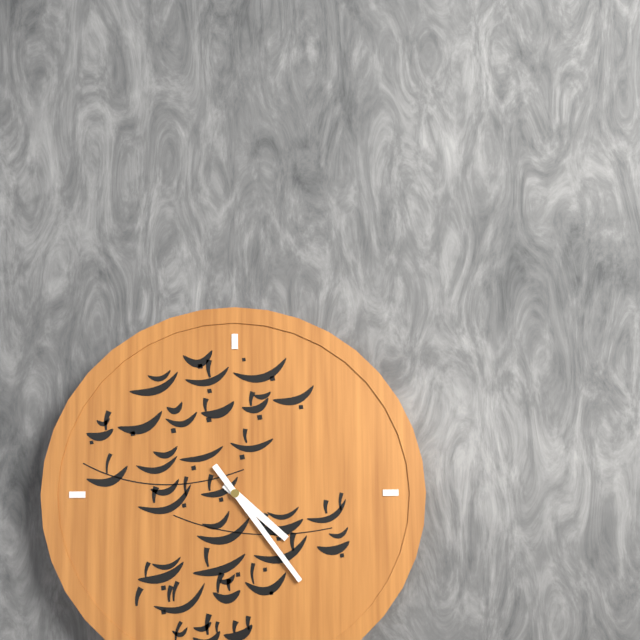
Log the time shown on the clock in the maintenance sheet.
4:24
